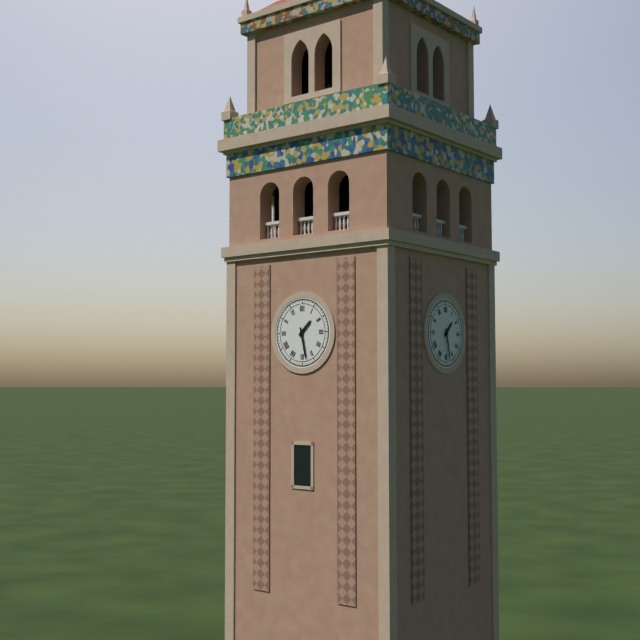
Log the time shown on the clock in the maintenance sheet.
1:28
